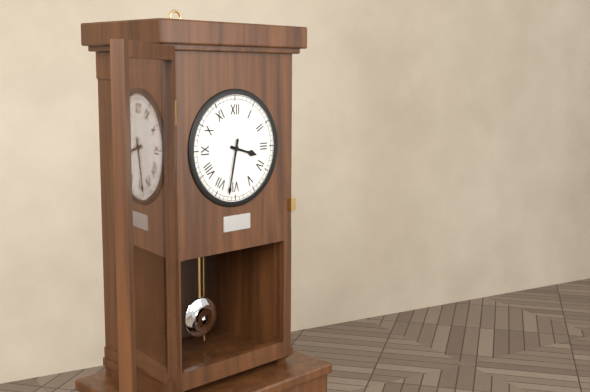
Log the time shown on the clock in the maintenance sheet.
3:32
